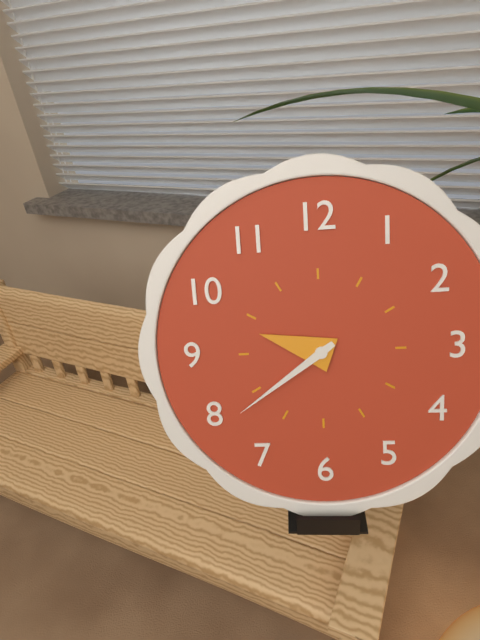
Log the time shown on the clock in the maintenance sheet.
9:39
